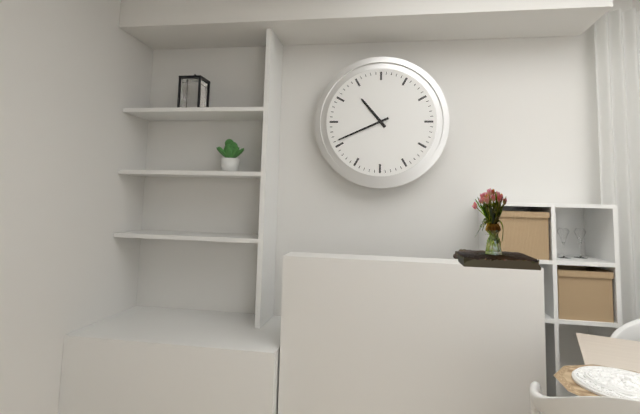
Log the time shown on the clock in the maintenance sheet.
10:41
